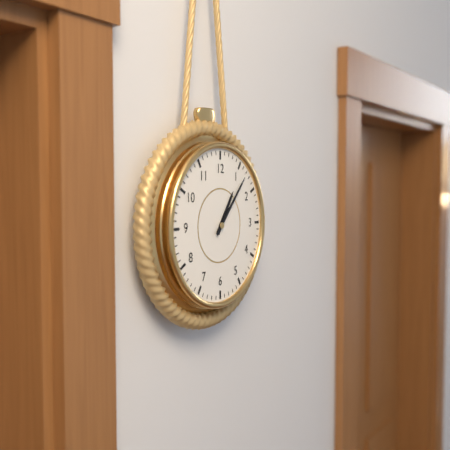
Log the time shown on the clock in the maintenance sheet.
1:07
